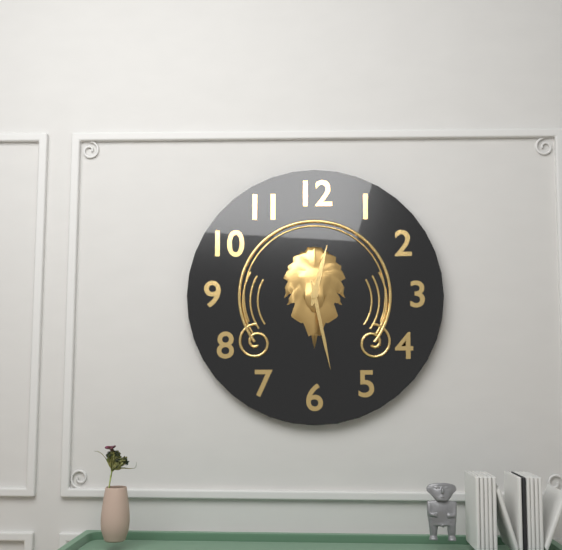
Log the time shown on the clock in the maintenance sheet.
12:28
